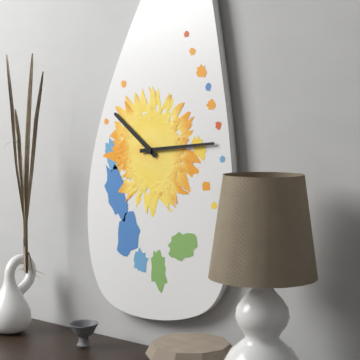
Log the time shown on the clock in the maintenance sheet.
10:14
